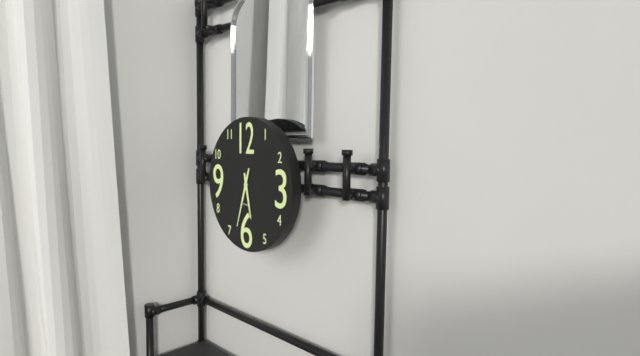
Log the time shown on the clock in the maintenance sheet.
5:33
